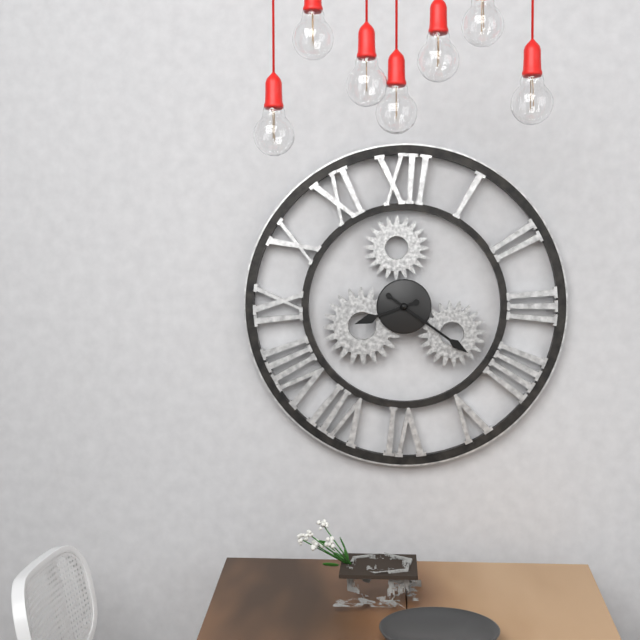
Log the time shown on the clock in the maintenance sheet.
8:21
